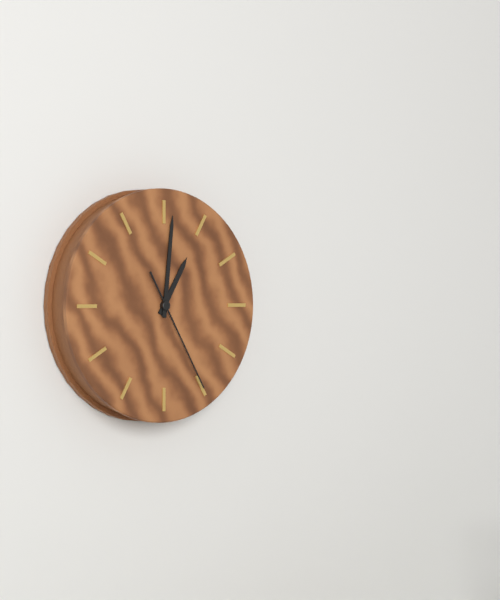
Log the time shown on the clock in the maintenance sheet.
1:01:25
